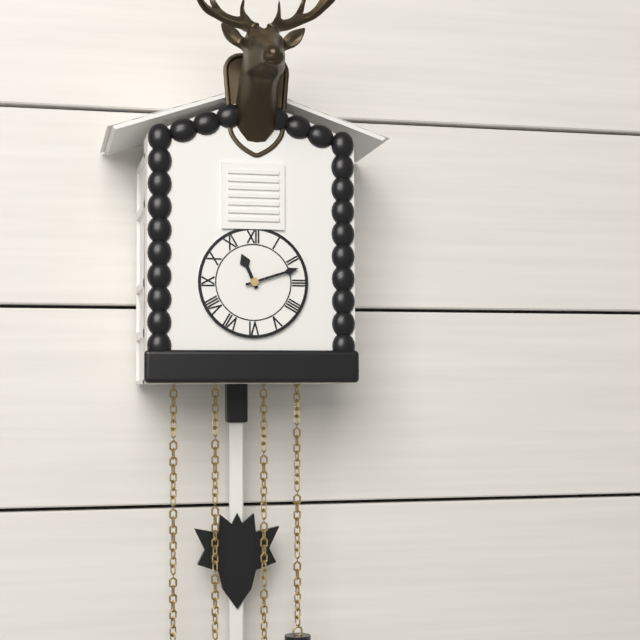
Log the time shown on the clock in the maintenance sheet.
11:12
